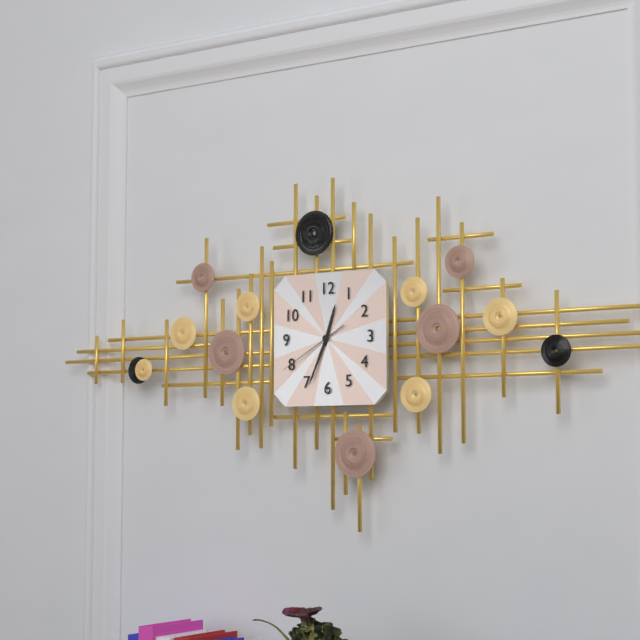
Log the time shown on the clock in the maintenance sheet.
12:34:40
